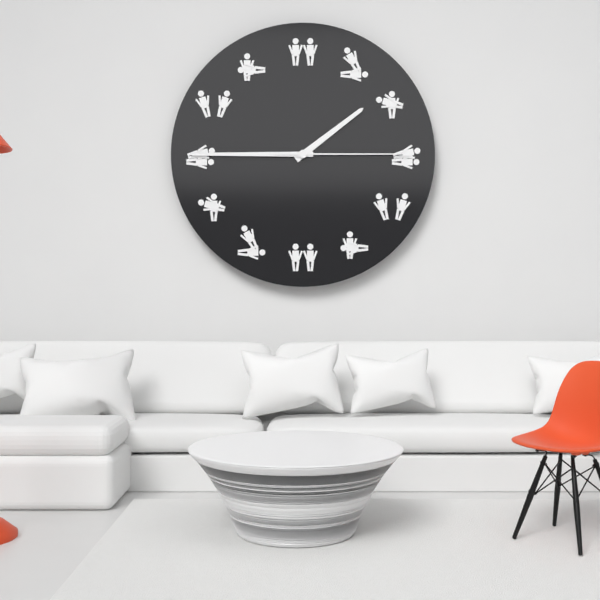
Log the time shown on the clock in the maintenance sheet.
1:45:15
